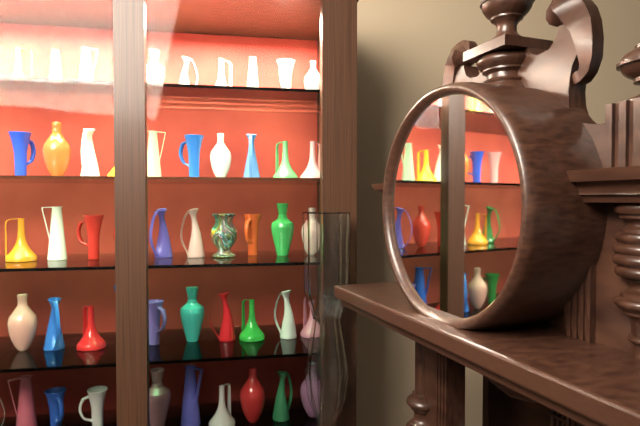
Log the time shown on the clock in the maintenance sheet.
12:10
